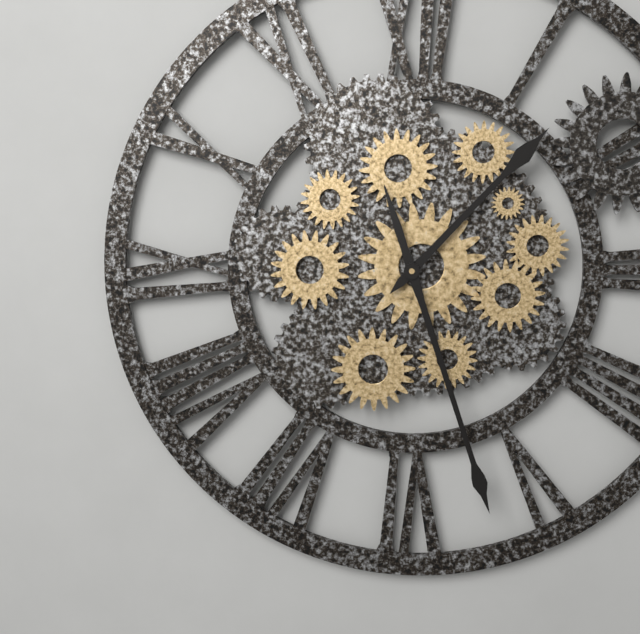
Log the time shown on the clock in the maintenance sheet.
1:27
